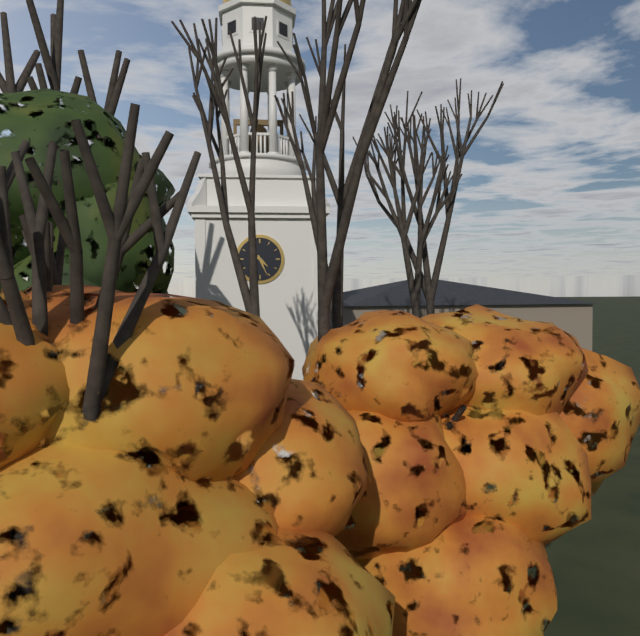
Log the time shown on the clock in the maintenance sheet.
4:26
